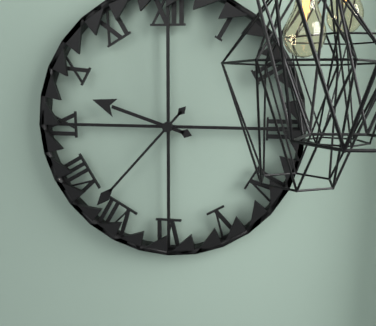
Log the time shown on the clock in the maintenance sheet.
9:37
